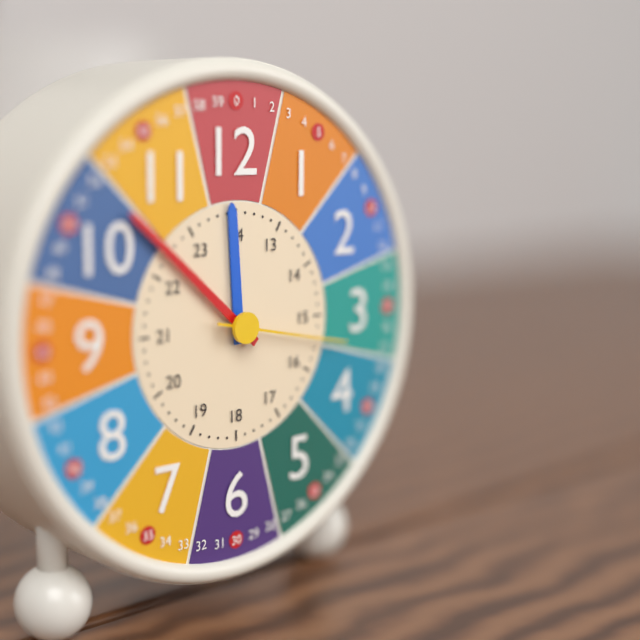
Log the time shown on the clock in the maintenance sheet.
11:52:17
